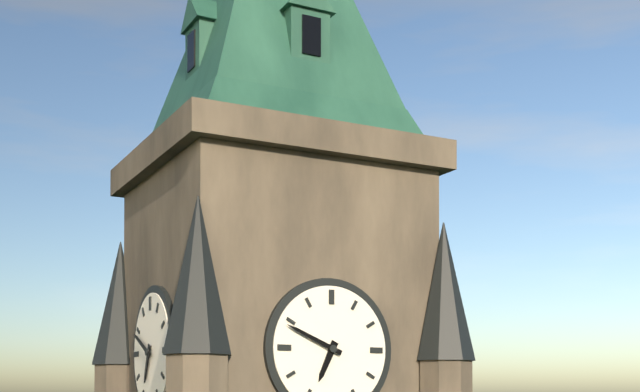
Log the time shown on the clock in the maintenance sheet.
6:49
